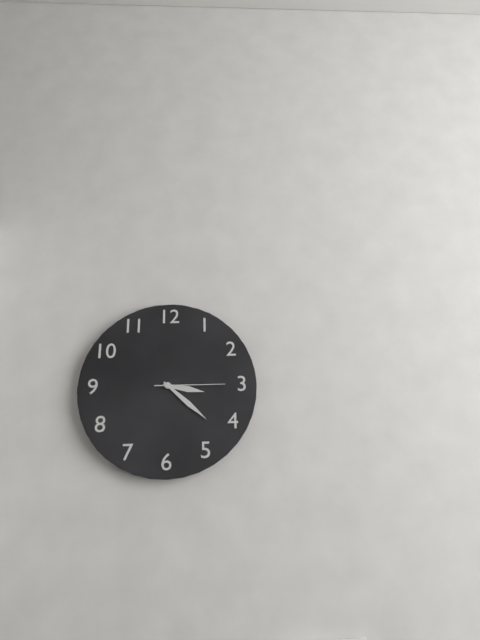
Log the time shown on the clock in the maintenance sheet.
3:22:15
